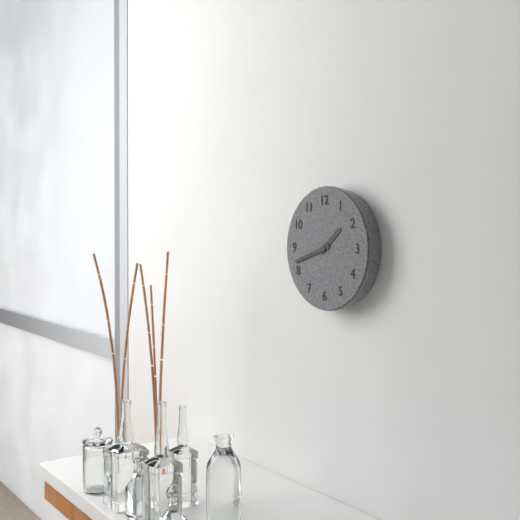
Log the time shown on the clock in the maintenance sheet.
1:42
